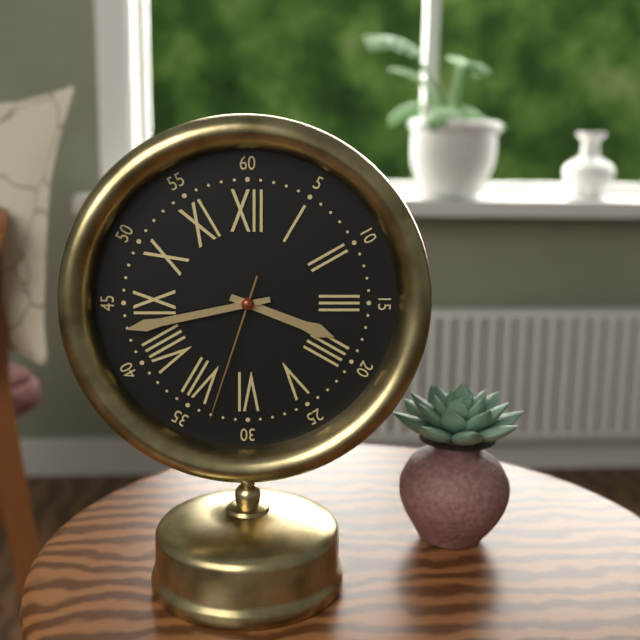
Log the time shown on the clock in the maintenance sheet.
3:43:33
